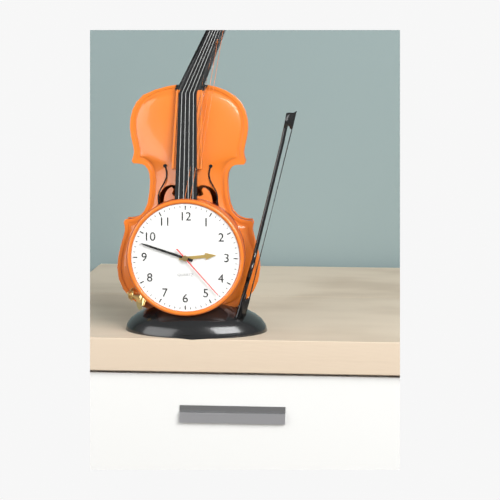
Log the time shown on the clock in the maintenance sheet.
2:48:23
